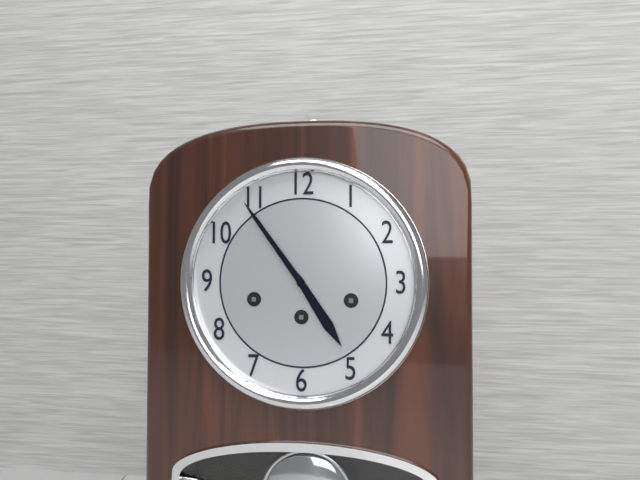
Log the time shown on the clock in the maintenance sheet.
4:54
